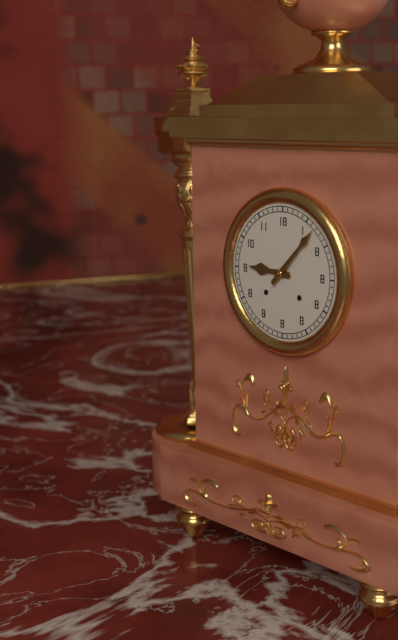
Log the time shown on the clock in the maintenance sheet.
9:07
